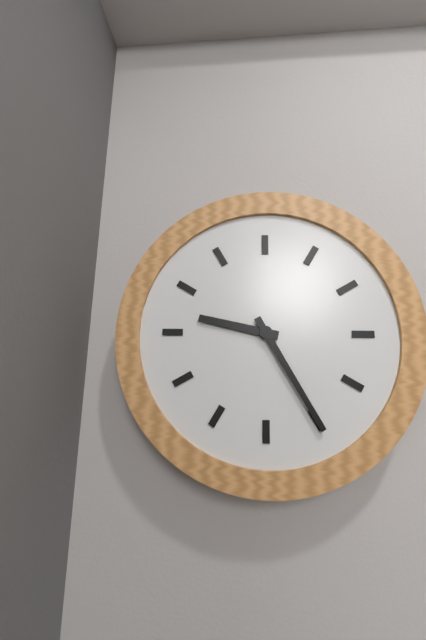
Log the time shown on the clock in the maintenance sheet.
9:25
